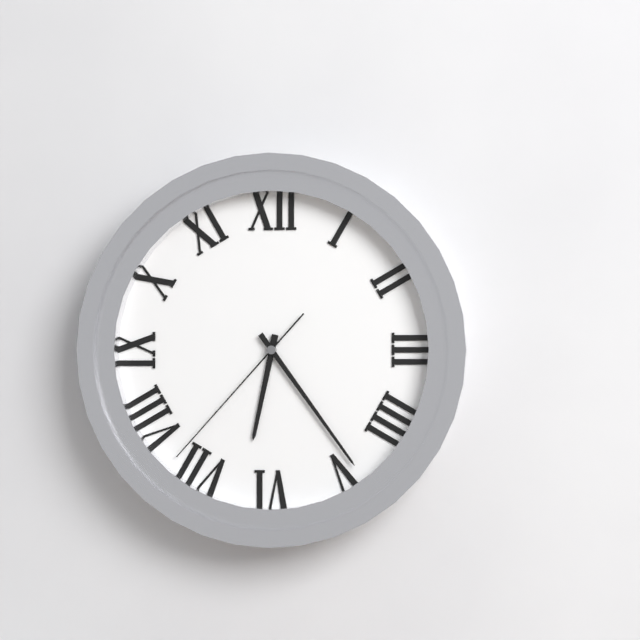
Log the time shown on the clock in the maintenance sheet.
6:24:37
